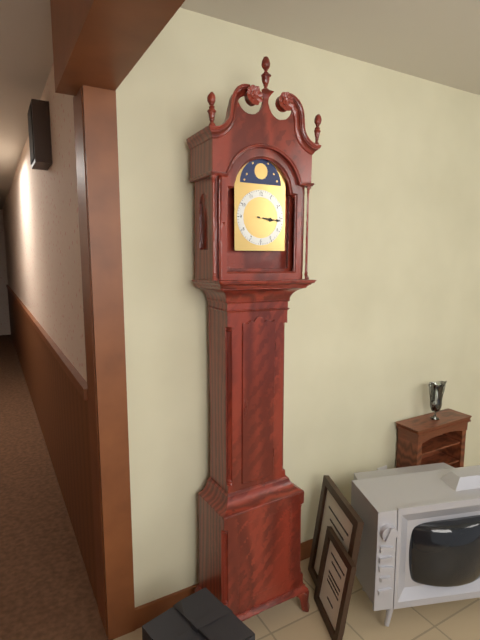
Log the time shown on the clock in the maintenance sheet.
3:16
